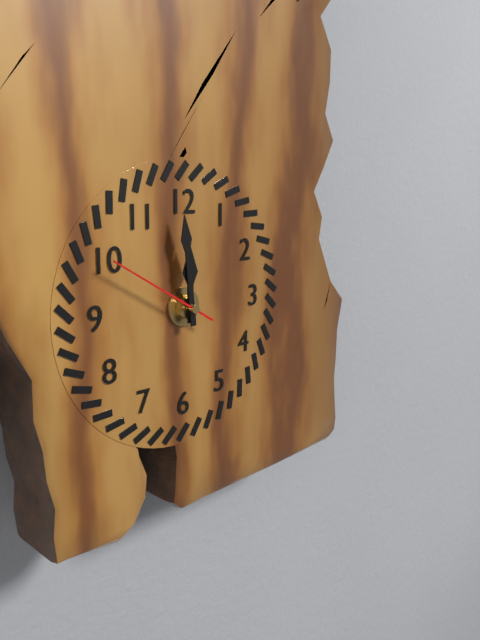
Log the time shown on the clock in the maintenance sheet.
11:59:50
